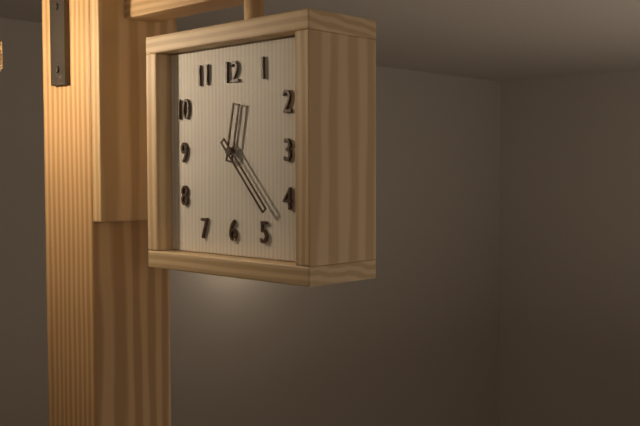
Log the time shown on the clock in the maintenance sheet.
12:23
